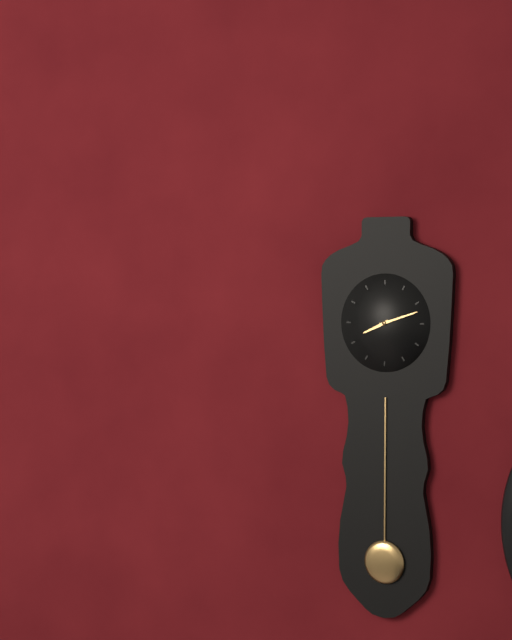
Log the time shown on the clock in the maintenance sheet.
8:12
